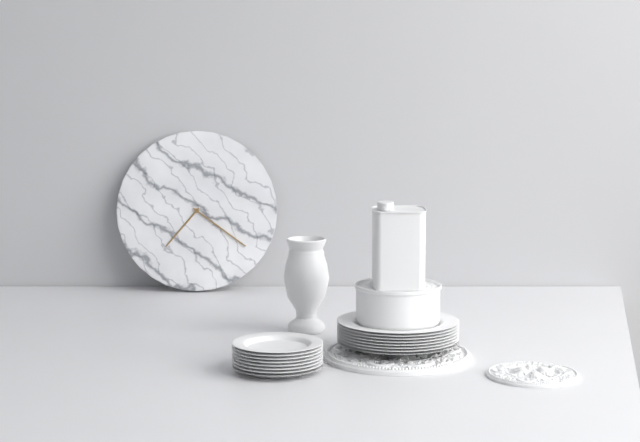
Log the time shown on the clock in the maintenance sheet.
7:21
